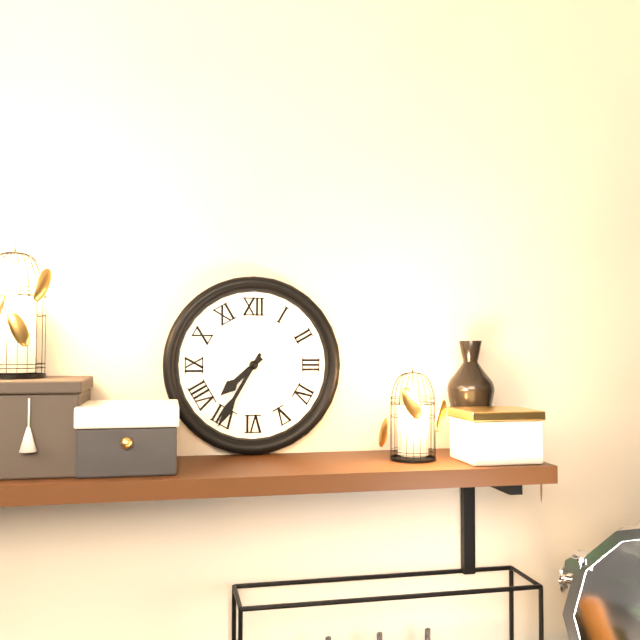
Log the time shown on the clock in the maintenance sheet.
7:35
